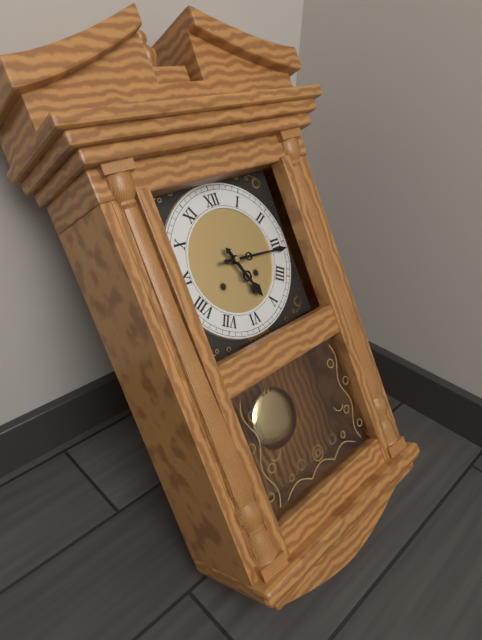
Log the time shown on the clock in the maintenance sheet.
5:16
